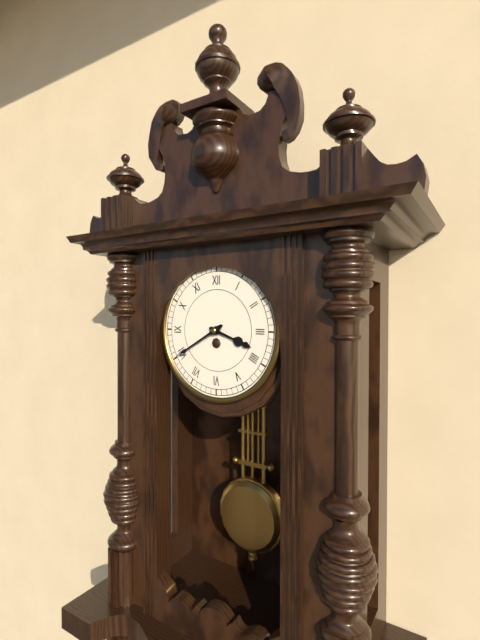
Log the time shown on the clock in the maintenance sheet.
3:40
